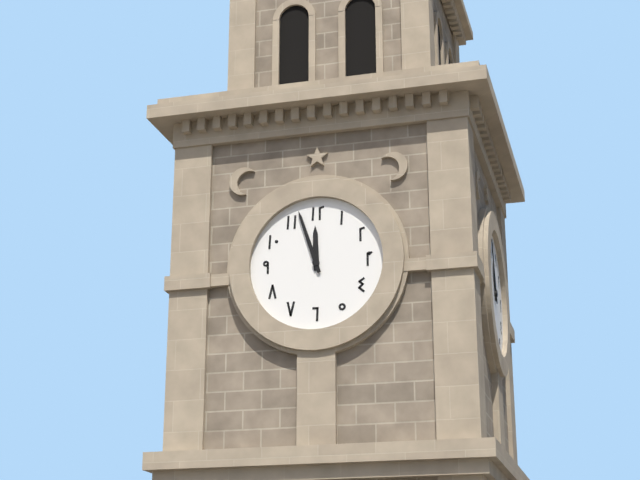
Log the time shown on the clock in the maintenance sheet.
11:57
